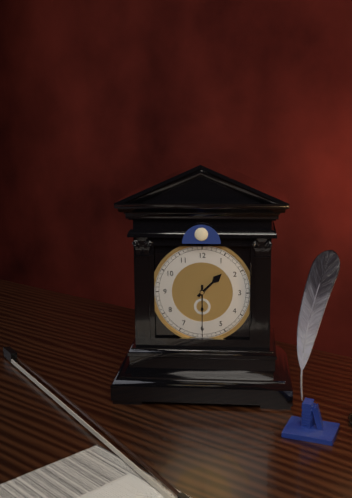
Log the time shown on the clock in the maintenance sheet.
1:30
